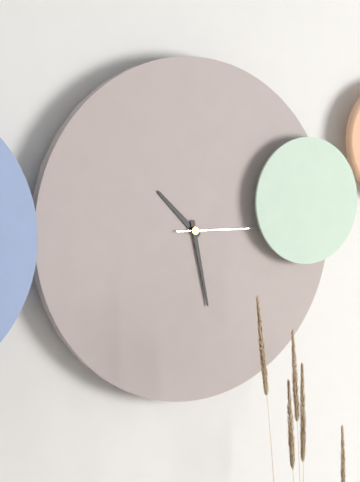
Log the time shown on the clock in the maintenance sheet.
10:28:15
